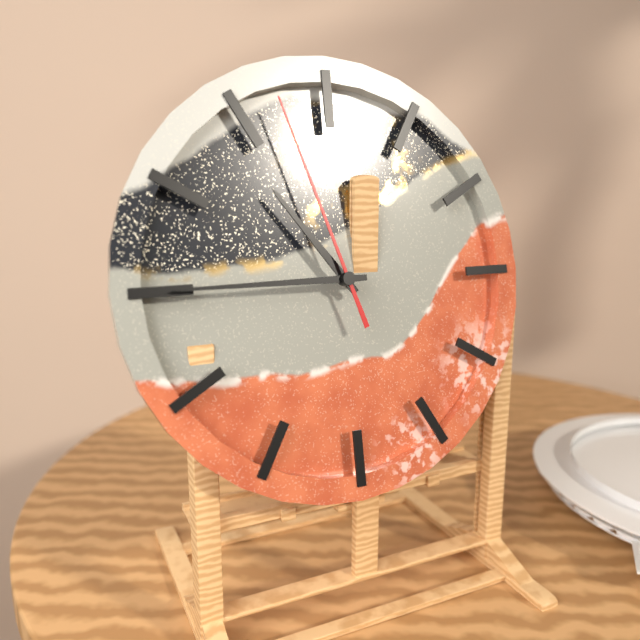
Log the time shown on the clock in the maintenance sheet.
10:45:57
